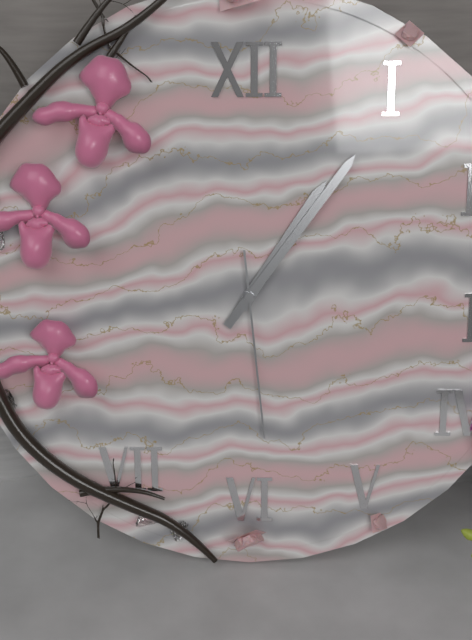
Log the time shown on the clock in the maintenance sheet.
1:06:29
